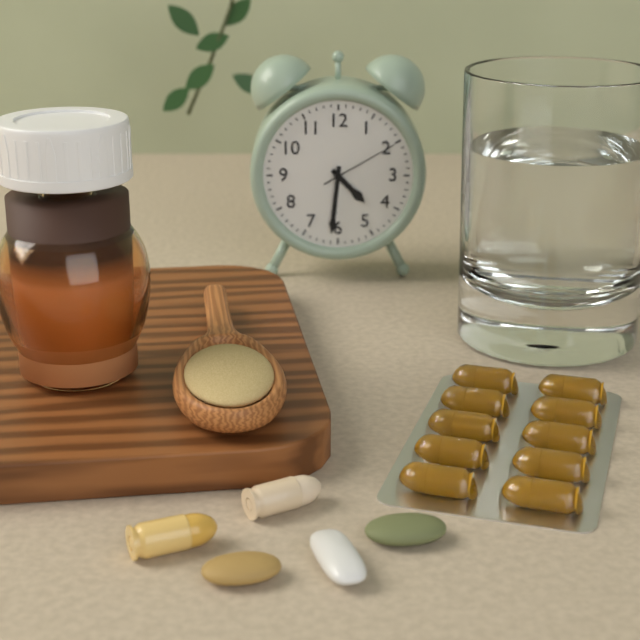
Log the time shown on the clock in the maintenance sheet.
4:31:10
